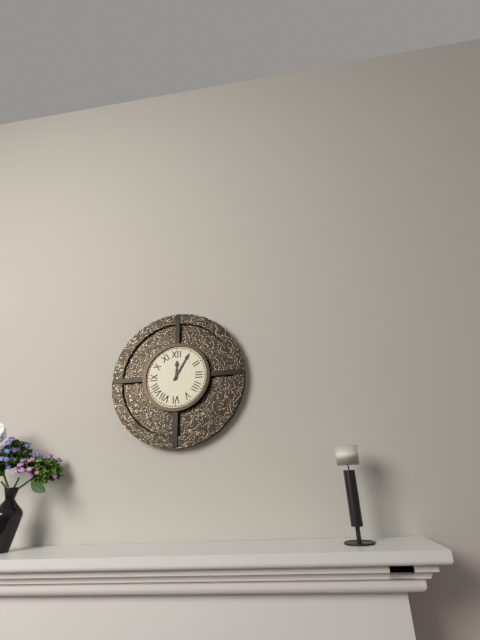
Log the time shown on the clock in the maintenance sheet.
12:05
